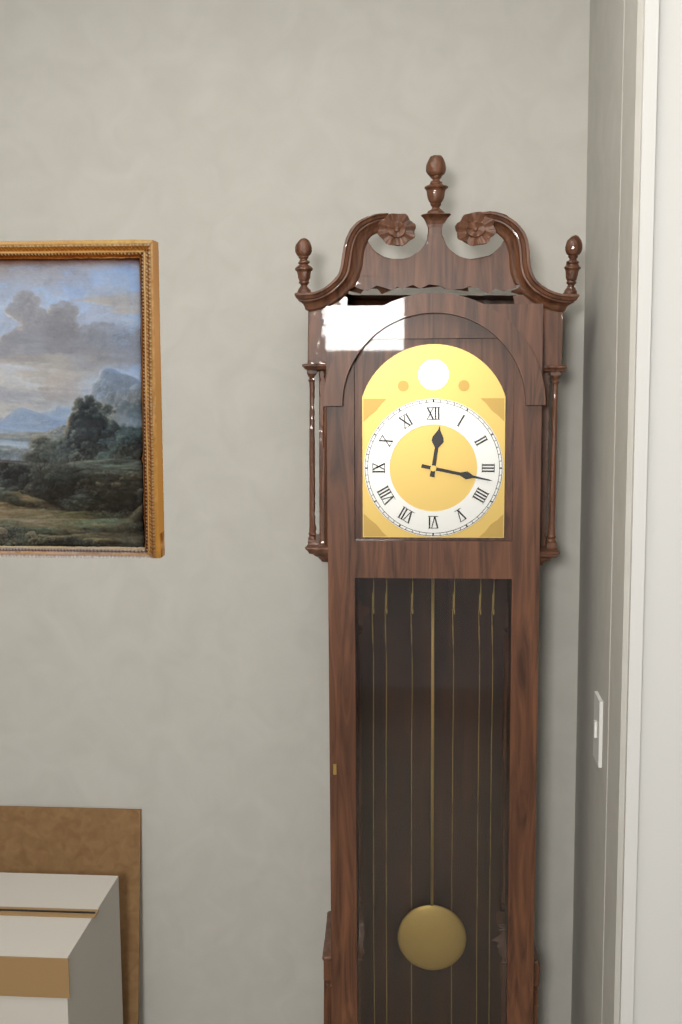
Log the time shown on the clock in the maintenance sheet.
12:17
